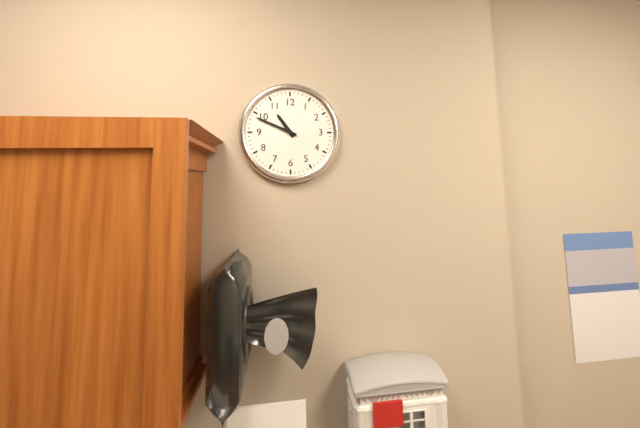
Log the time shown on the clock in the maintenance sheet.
10:49
